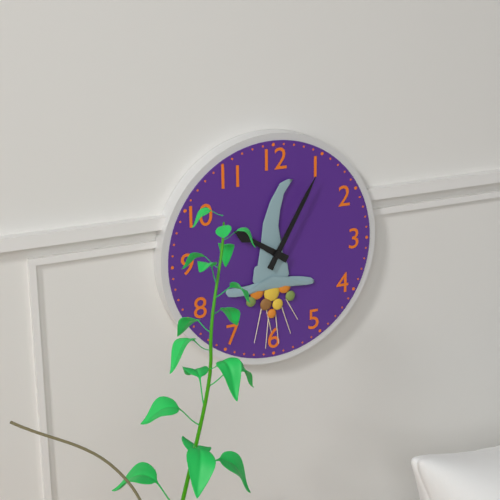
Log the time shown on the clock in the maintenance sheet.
10:05
